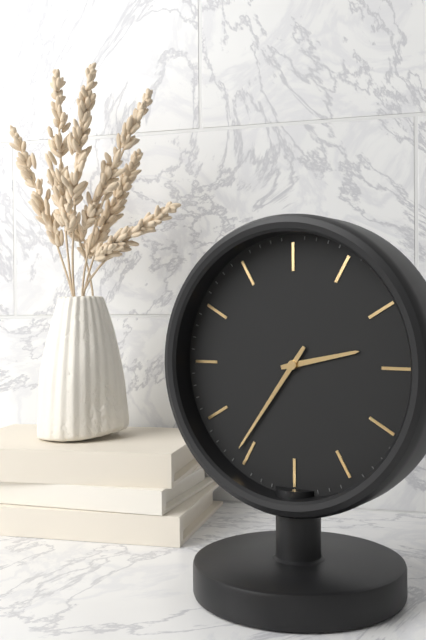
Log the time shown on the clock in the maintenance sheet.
2:36
